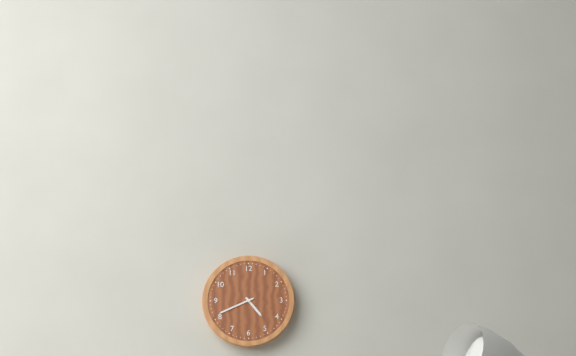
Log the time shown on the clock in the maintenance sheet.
4:41
